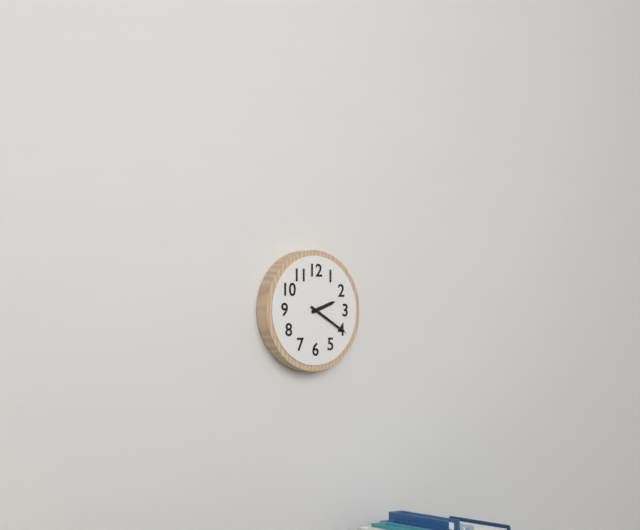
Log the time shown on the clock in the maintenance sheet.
2:20
